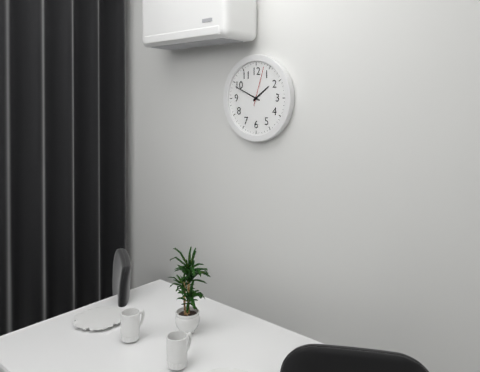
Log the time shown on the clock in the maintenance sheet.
1:49
